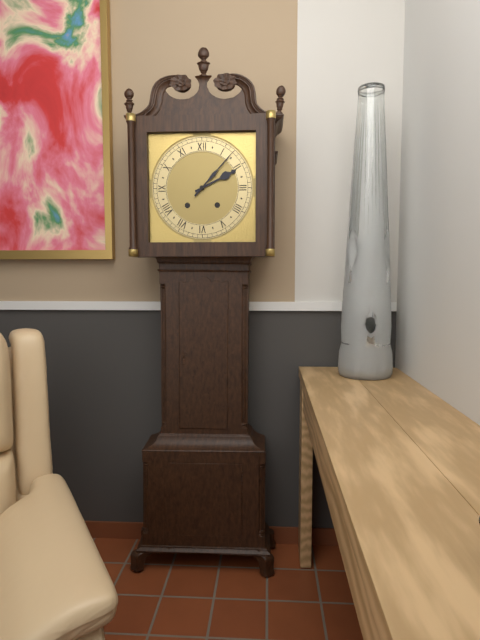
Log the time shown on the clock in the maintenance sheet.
2:07
